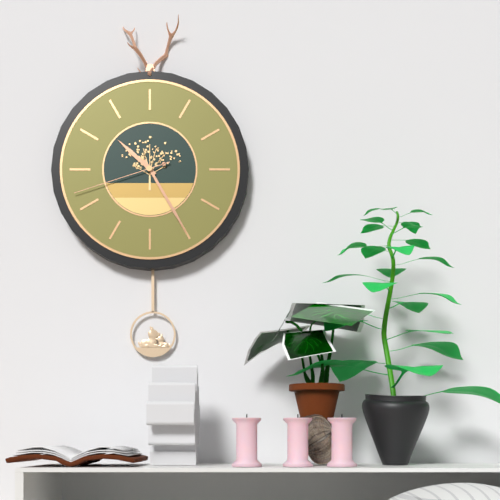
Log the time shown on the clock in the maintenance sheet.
10:25:42
